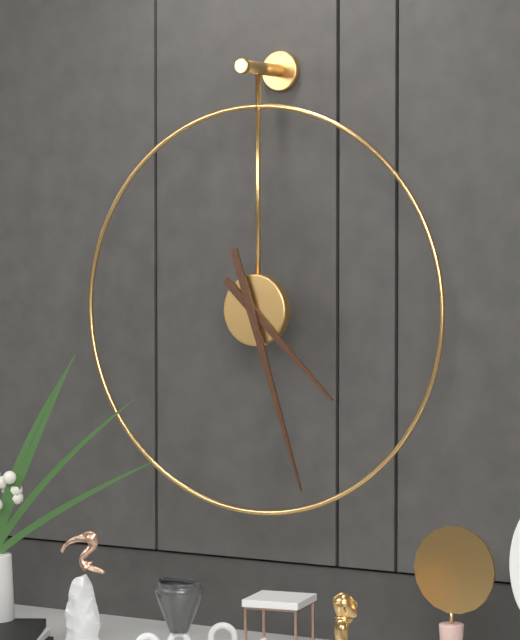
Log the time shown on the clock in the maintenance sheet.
4:27
